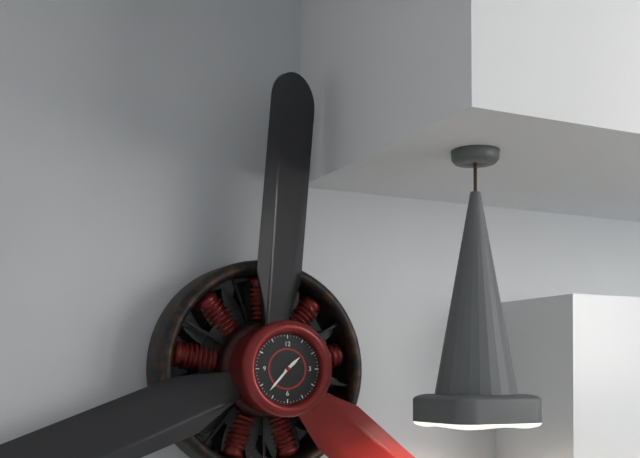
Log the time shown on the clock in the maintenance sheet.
1:37
